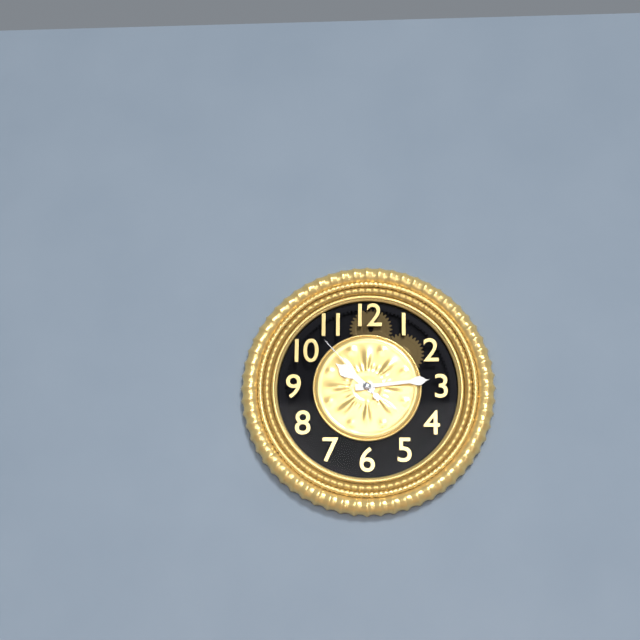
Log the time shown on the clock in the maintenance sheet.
10:14:53
